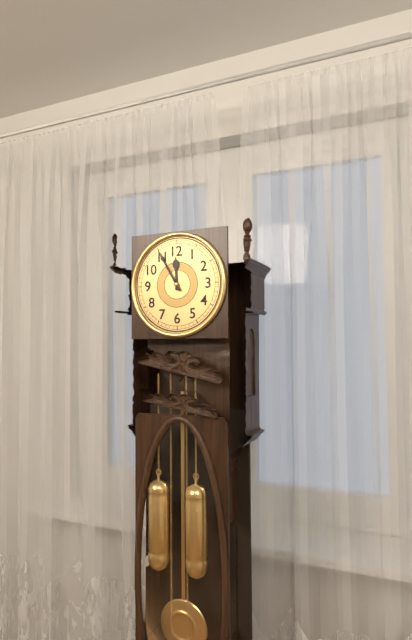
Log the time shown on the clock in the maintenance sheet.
11:55
